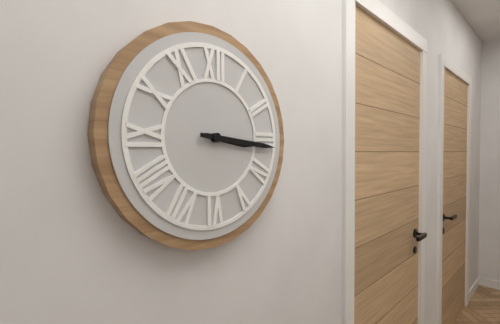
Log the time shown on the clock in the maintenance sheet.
3:16
